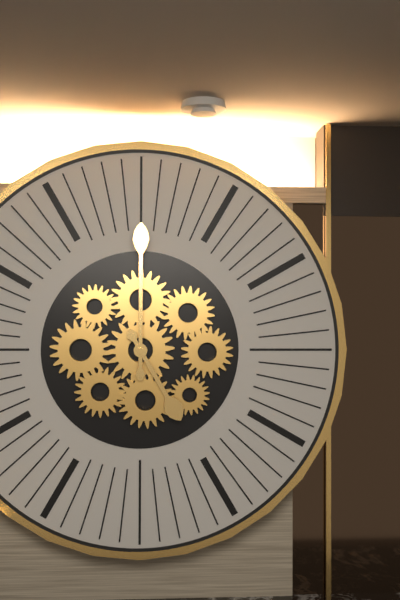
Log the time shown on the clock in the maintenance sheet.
5:00
